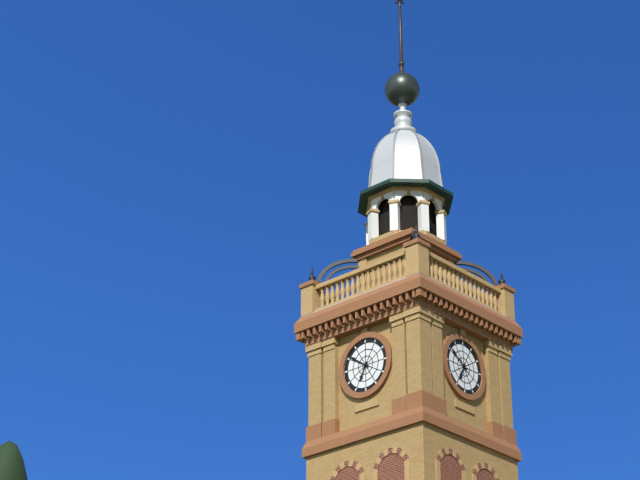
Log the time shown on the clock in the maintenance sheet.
6:51
